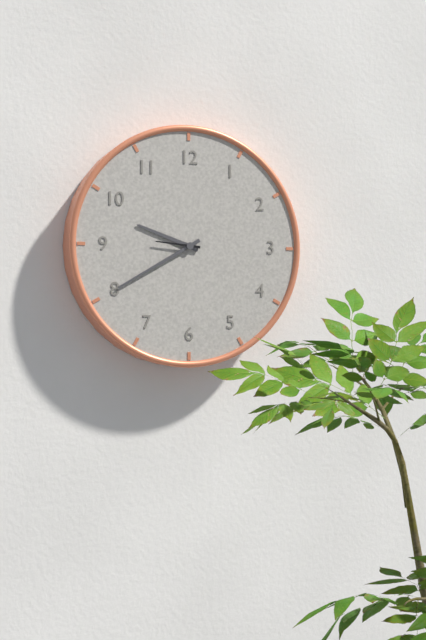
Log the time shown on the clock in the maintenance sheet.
9:40
